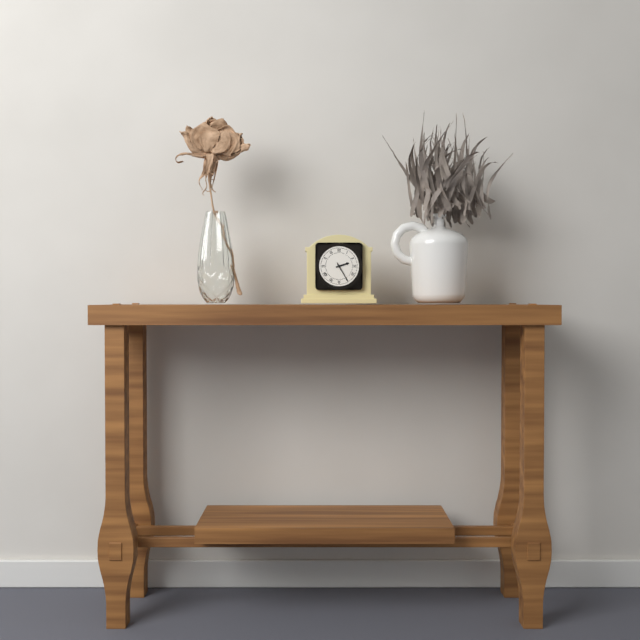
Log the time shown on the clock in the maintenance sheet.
2:25
